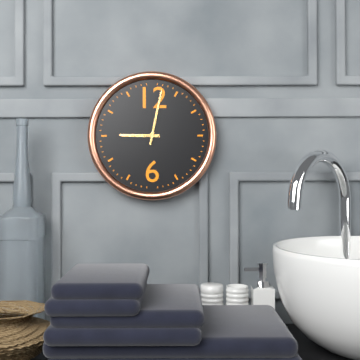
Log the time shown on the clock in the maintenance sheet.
9:02
